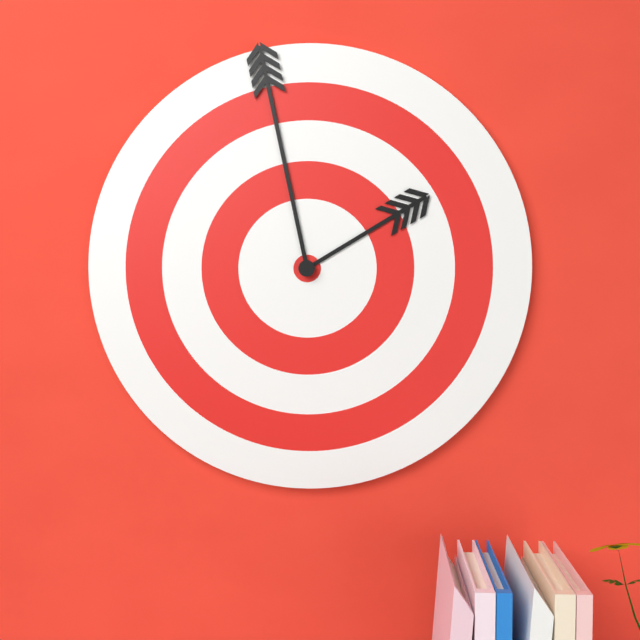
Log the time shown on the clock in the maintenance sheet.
1:58
